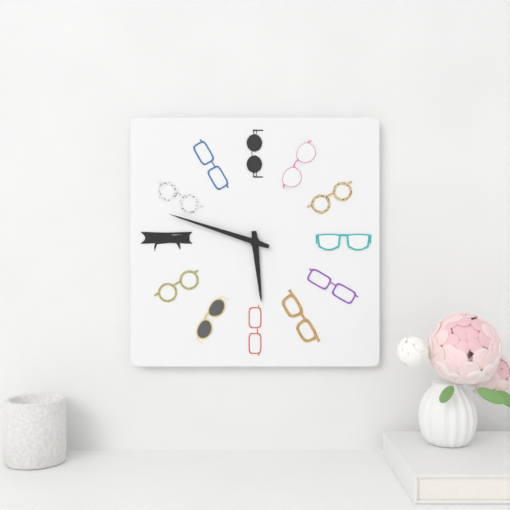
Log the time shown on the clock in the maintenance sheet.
5:48
